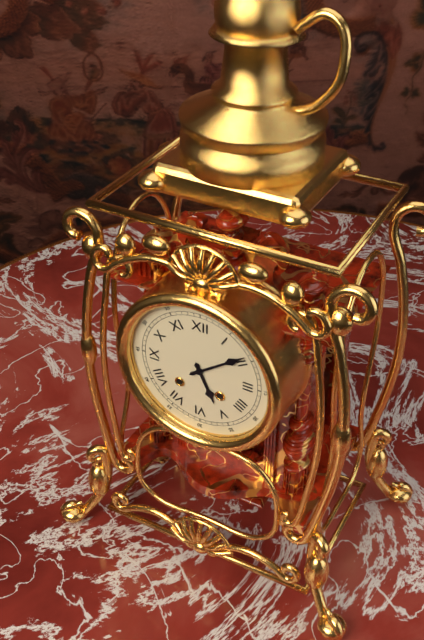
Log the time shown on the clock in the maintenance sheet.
5:09
